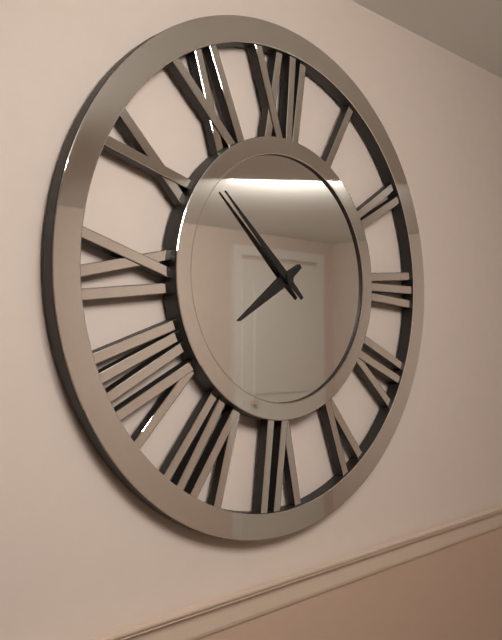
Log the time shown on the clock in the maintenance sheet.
7:52
